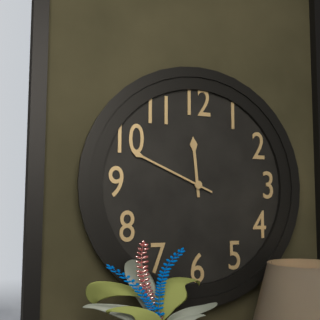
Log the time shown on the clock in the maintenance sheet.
11:49
